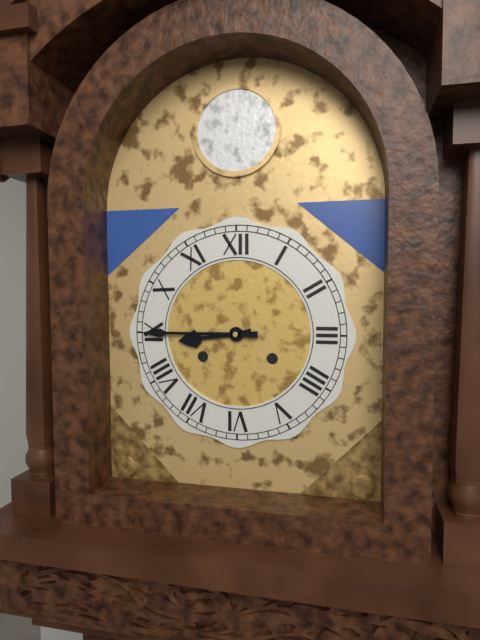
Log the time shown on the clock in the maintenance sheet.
8:45
